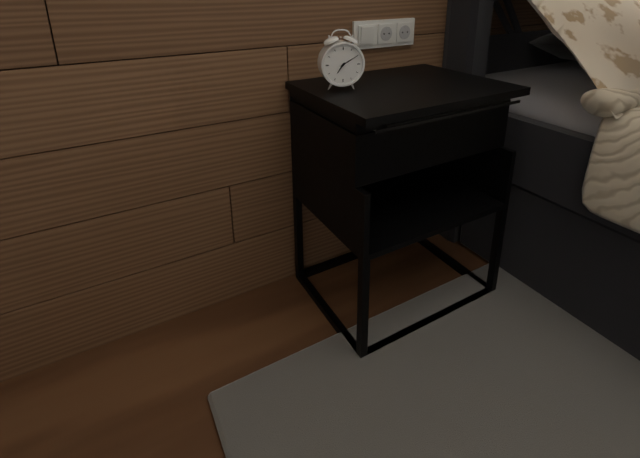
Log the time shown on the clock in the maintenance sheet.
7:10
